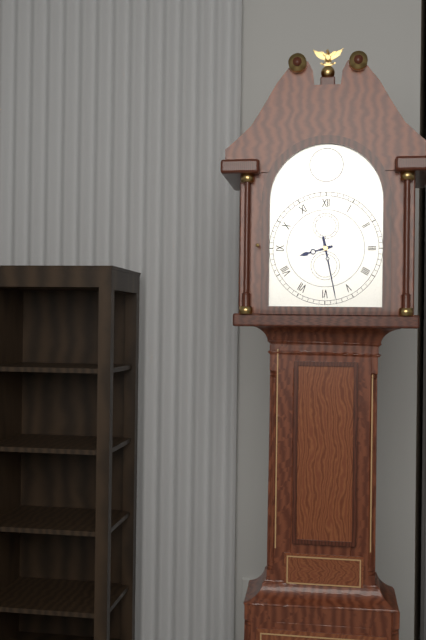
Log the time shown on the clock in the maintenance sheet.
8:28
